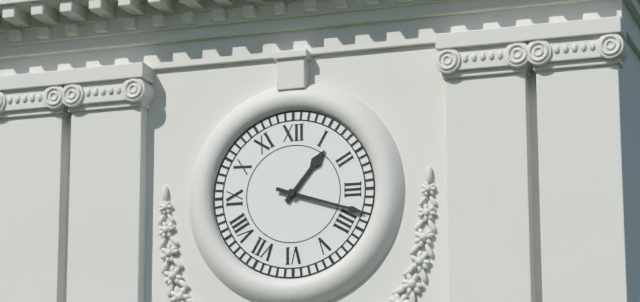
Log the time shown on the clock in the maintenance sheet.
1:18
